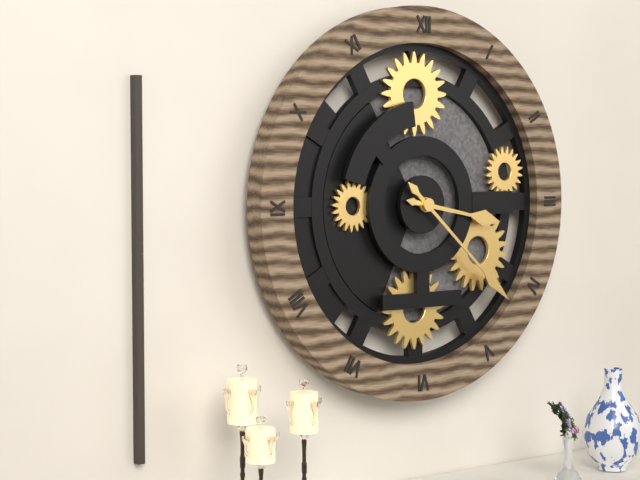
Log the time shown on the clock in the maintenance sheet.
3:22
